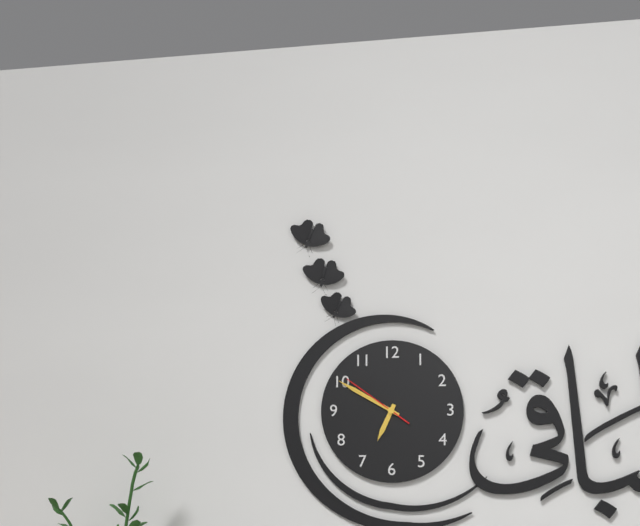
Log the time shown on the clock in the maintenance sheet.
6:50:51
